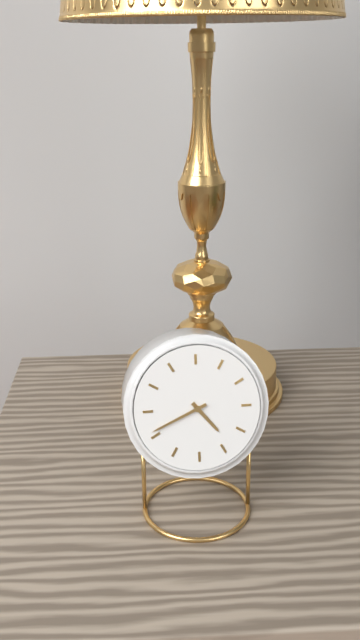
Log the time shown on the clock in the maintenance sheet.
4:41
